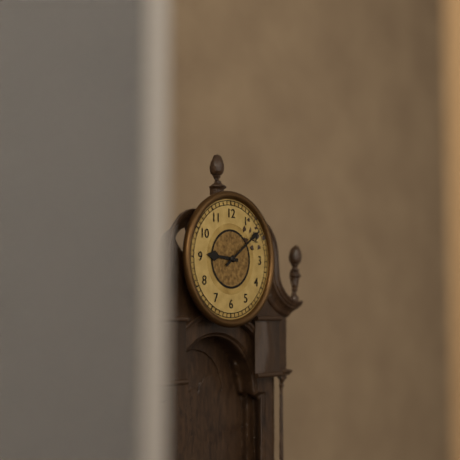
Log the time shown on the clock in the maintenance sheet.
9:09
